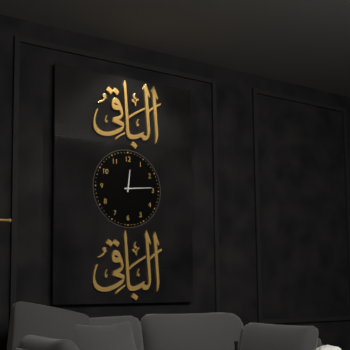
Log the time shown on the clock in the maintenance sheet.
12:14
